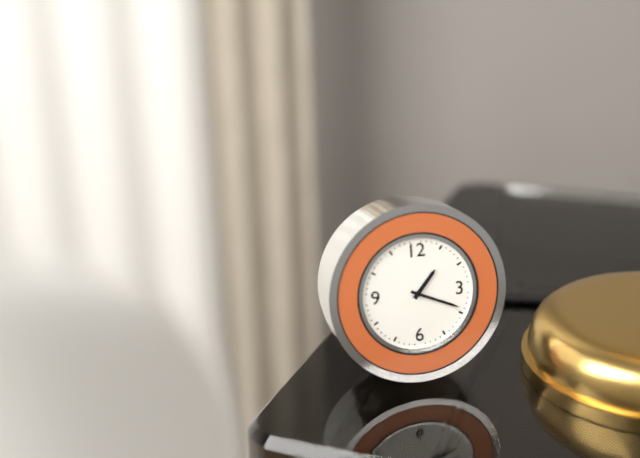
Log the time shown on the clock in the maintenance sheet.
1:19
